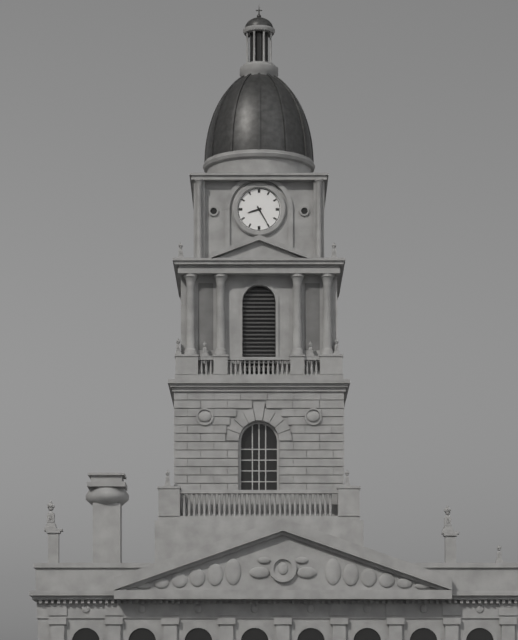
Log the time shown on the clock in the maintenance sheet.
8:25
